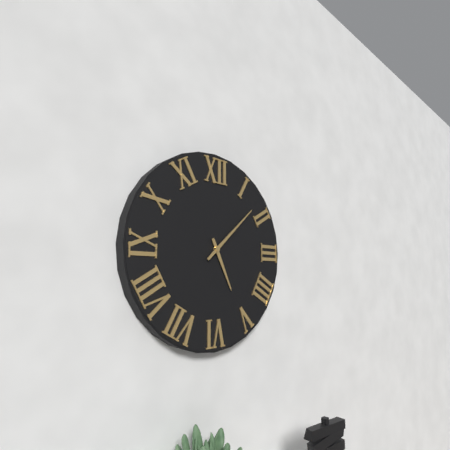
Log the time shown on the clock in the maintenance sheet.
5:08
